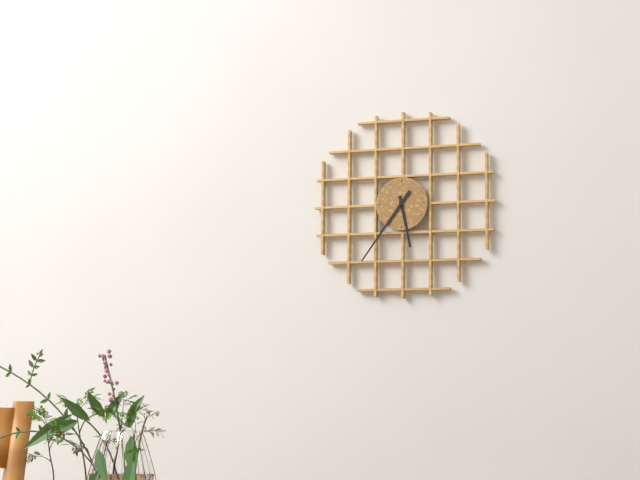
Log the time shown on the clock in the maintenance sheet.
5:36
